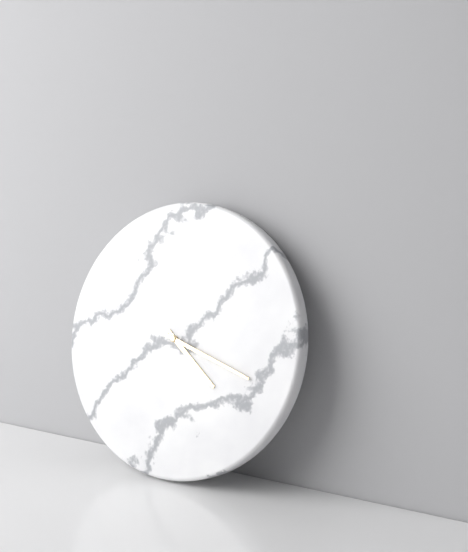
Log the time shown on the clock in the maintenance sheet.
4:18
